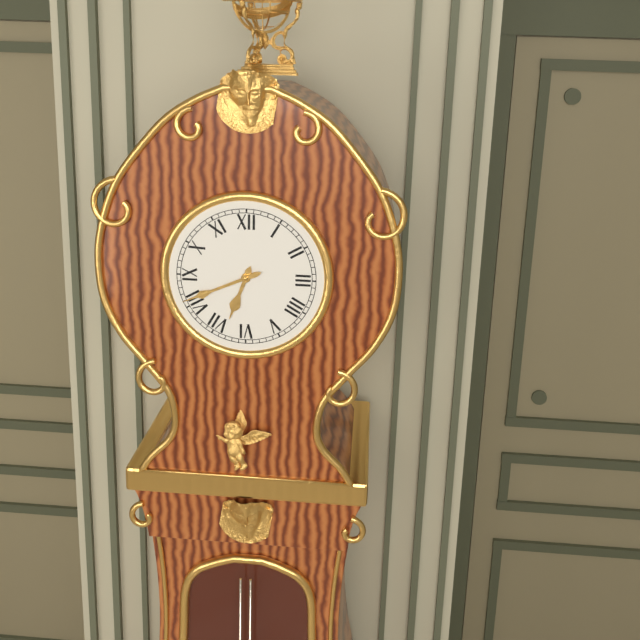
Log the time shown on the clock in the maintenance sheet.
6:41
